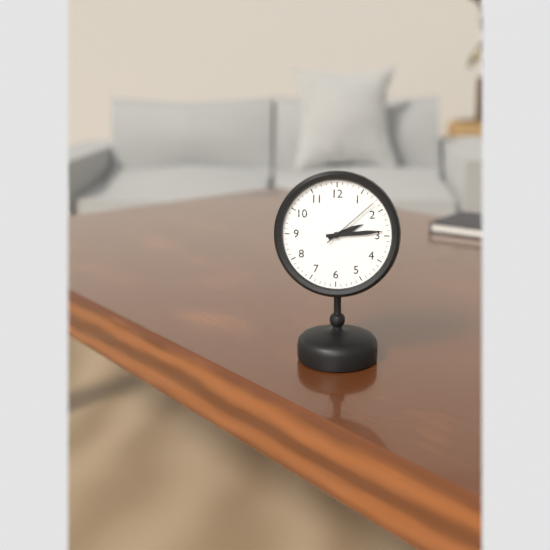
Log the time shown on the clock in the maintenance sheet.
2:14:08
